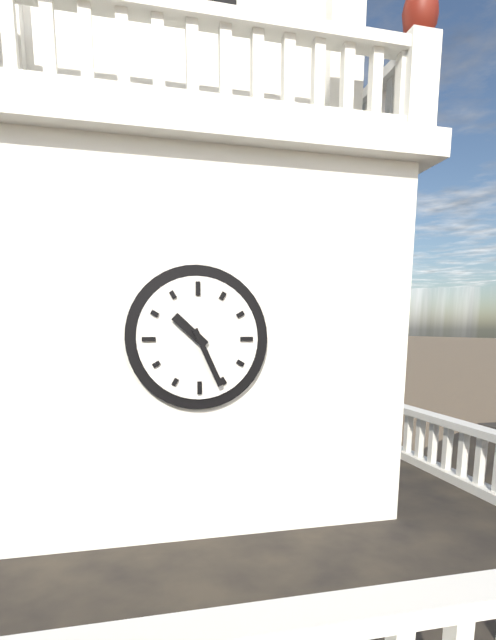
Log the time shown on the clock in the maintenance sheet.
10:26
